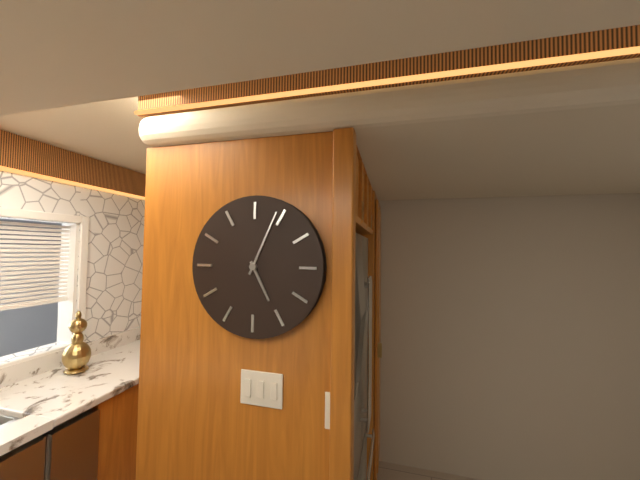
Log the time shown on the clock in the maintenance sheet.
5:04
